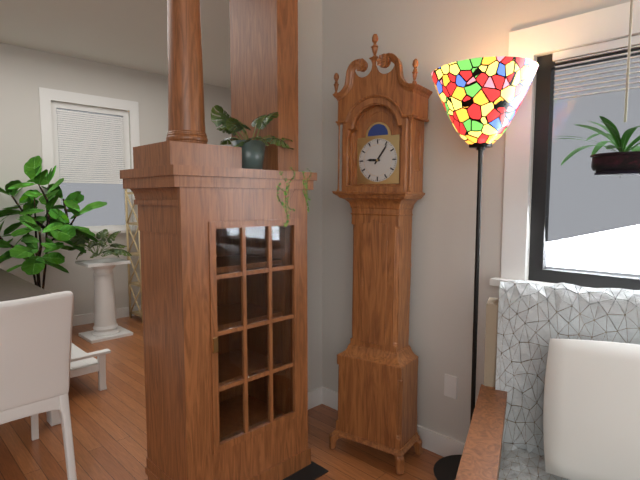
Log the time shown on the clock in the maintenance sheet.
9:06
